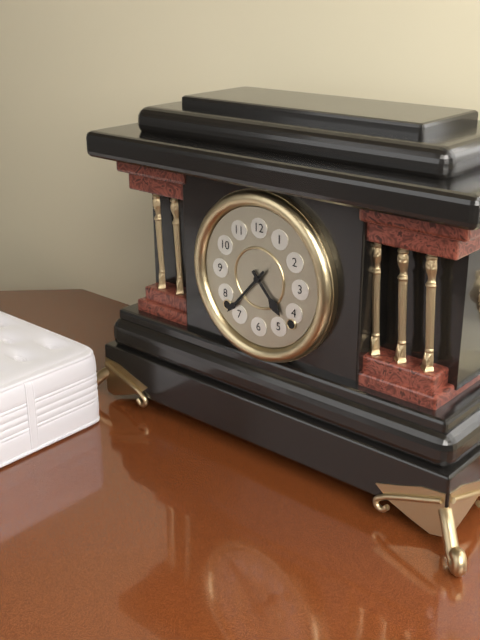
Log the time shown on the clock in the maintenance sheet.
4:37
